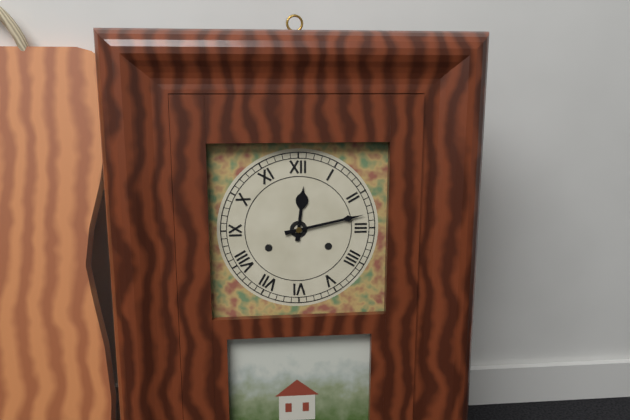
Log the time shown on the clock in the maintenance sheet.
12:13
